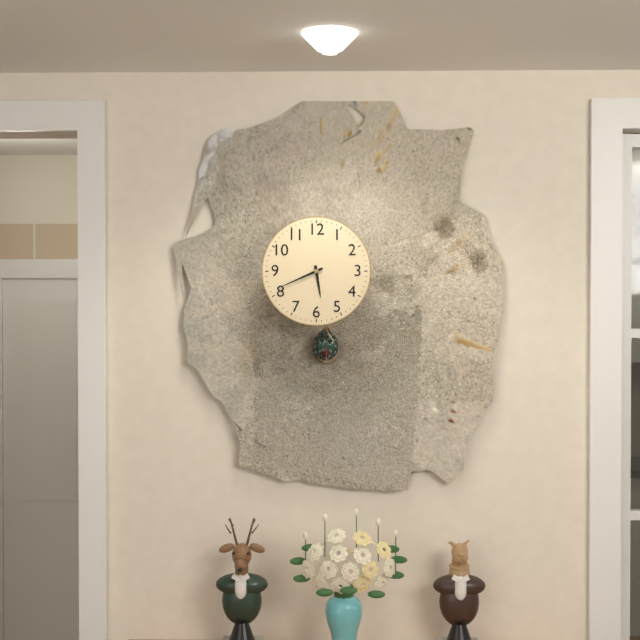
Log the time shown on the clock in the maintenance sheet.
5:41
